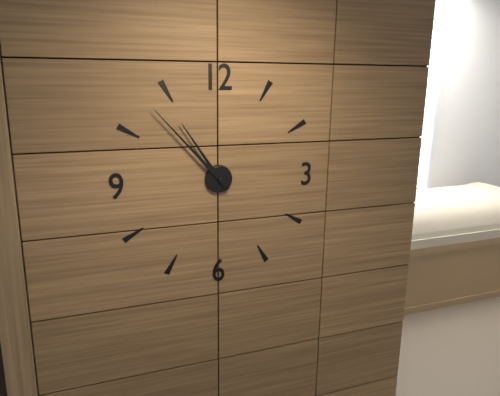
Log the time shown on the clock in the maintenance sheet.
10:53
